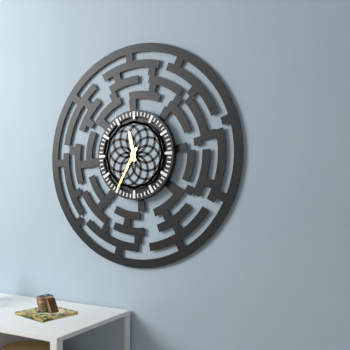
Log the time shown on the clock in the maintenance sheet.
11:35
